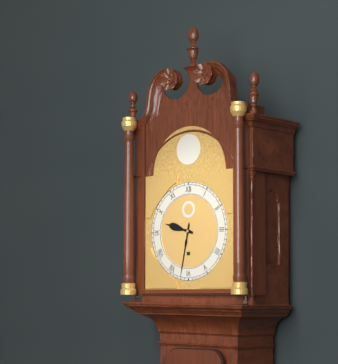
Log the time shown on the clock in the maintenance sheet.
9:32
